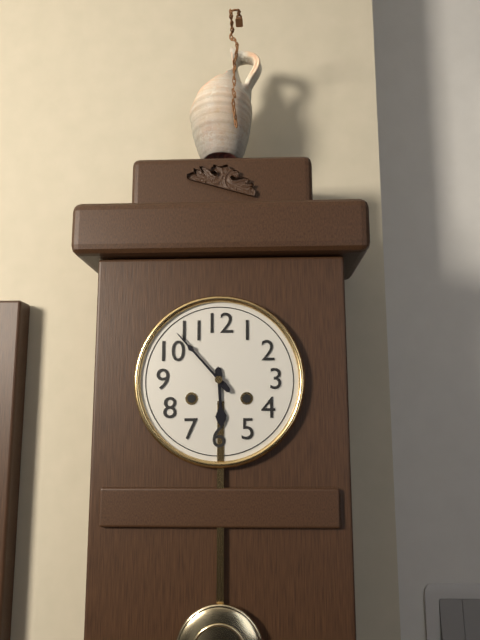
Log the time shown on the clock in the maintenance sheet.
5:53
